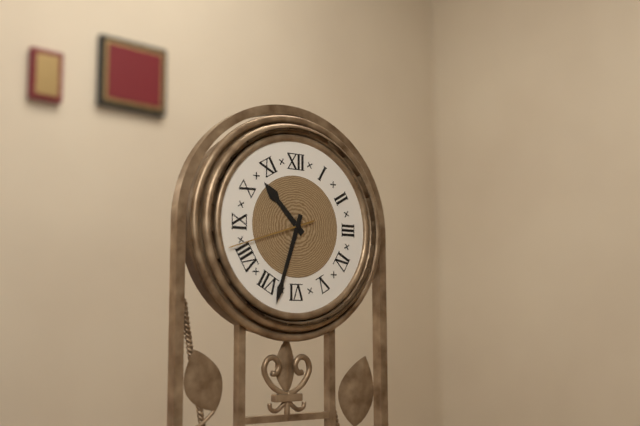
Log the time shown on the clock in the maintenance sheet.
10:33:42
